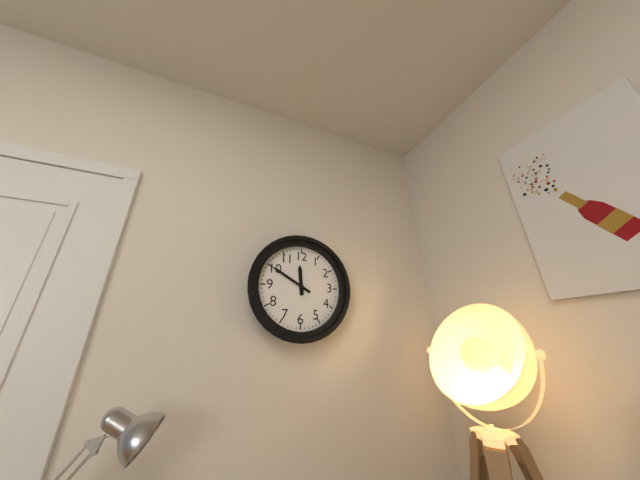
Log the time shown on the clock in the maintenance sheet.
11:50
